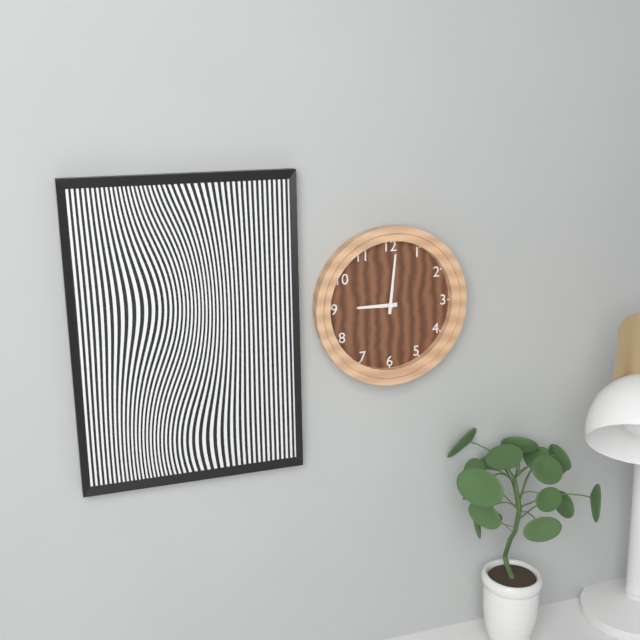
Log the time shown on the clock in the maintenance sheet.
9:01
